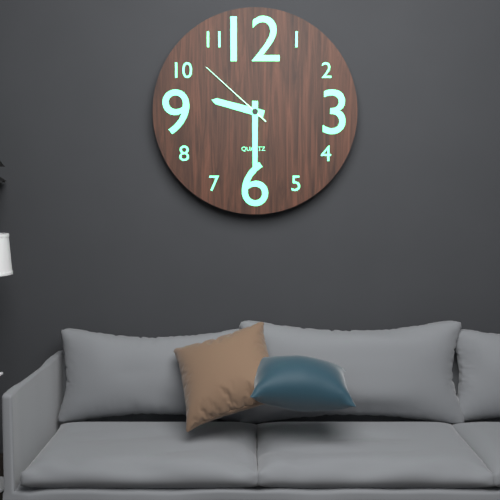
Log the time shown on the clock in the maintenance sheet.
9:30:52
